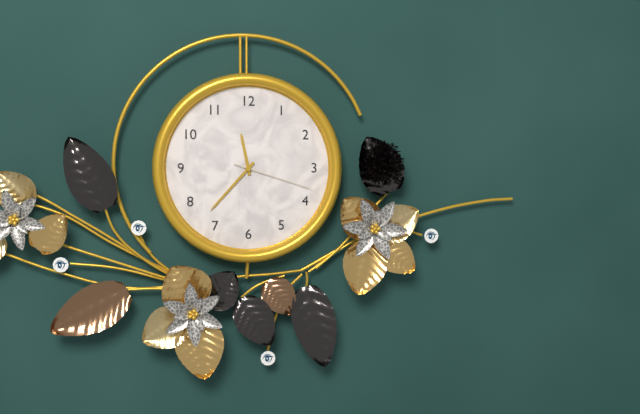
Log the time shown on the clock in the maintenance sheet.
11:37:18
